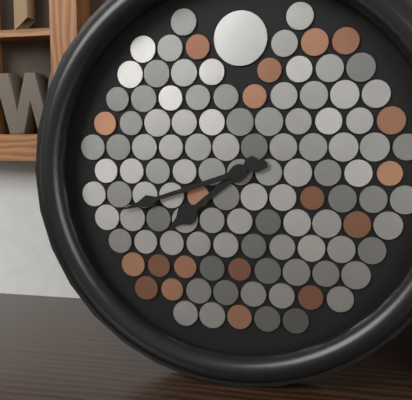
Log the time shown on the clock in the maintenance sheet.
7:42
